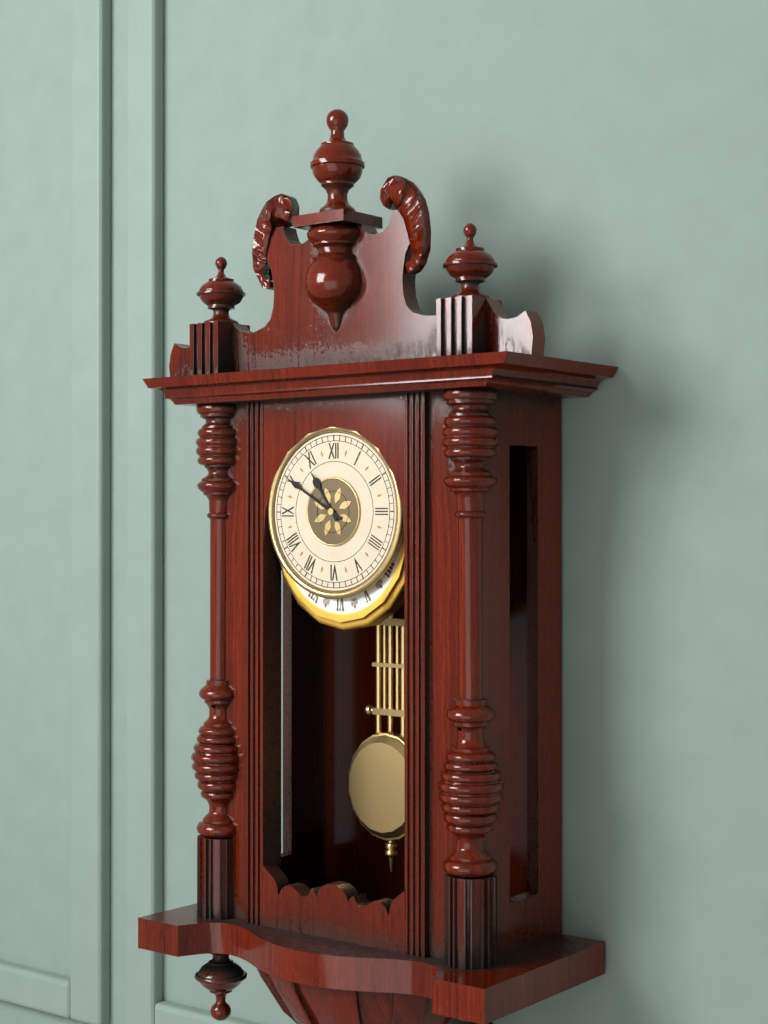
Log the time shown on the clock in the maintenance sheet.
10:50
